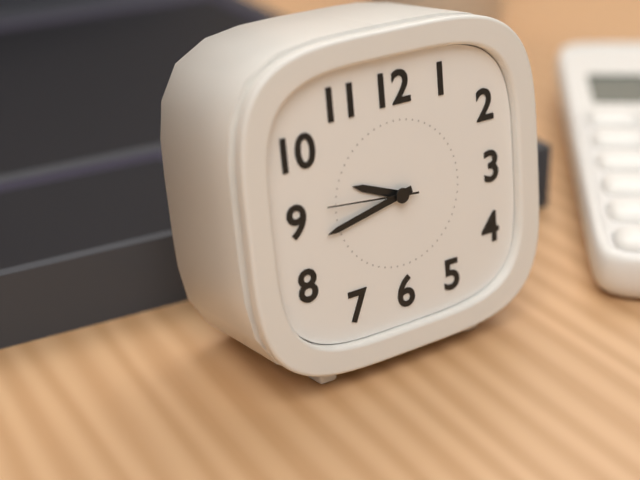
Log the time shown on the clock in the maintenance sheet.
9:43:46
